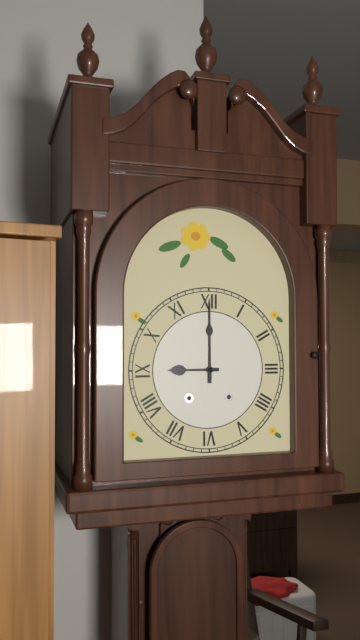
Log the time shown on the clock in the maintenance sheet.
9:00
